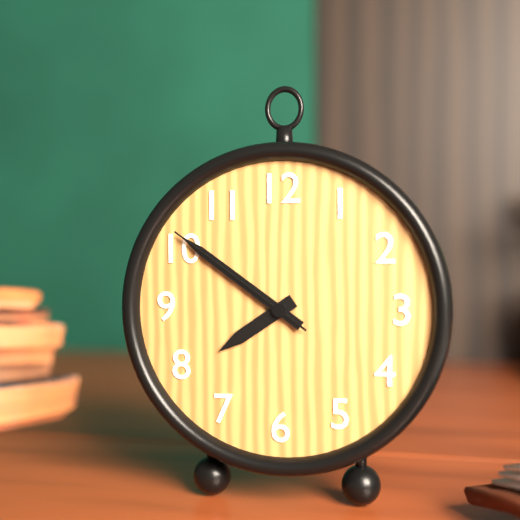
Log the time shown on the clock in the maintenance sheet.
7:51:51
